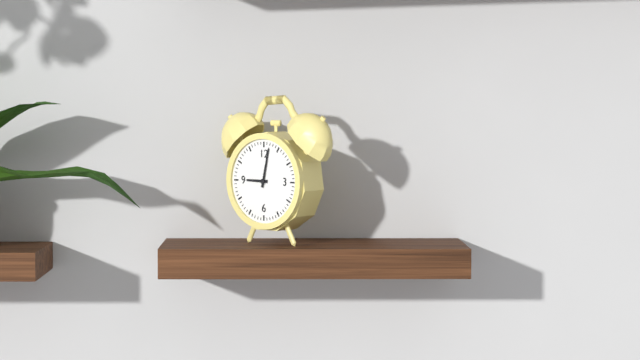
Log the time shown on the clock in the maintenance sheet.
9:02
